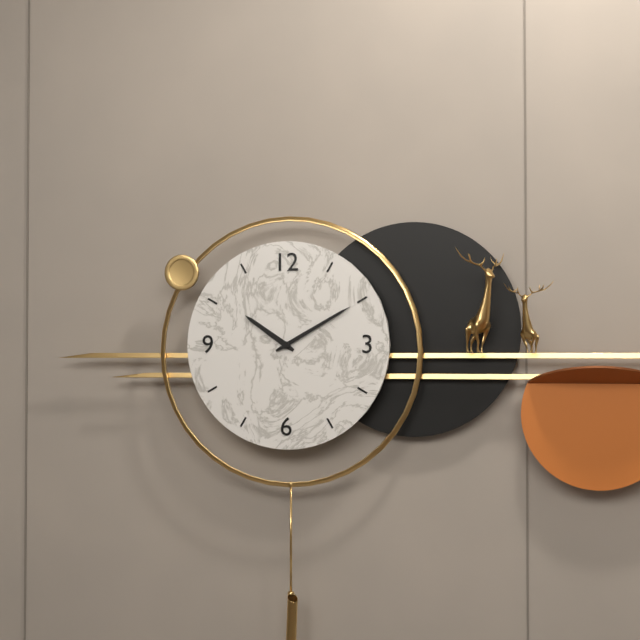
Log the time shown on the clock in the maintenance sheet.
10:10
